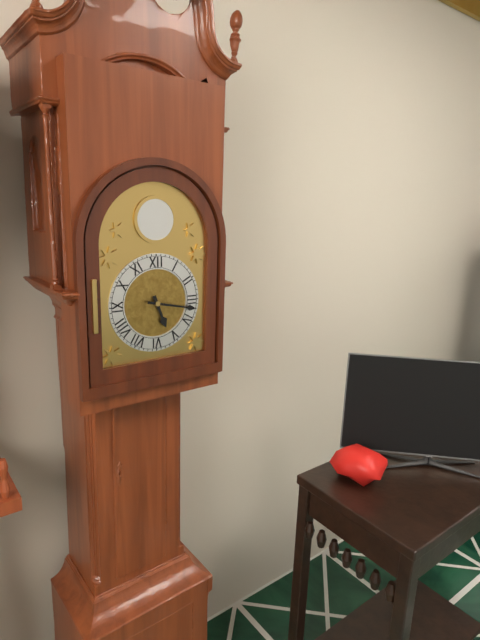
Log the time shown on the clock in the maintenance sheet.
5:17
